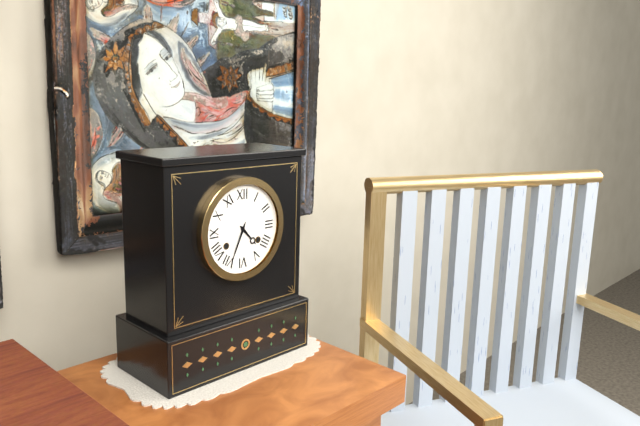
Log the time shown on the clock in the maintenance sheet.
4:34
